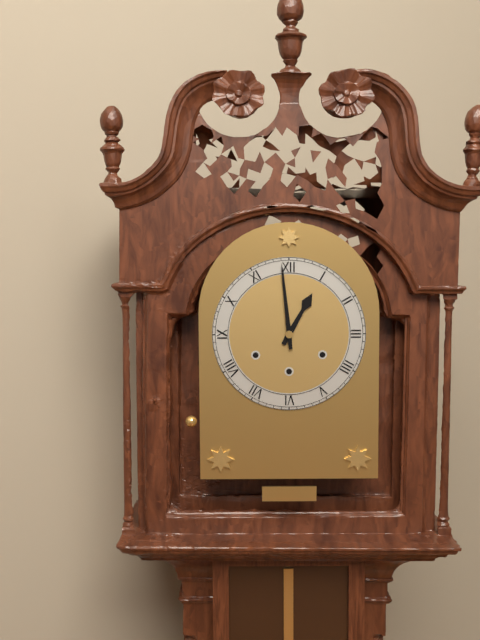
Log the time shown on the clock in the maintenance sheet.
12:59
